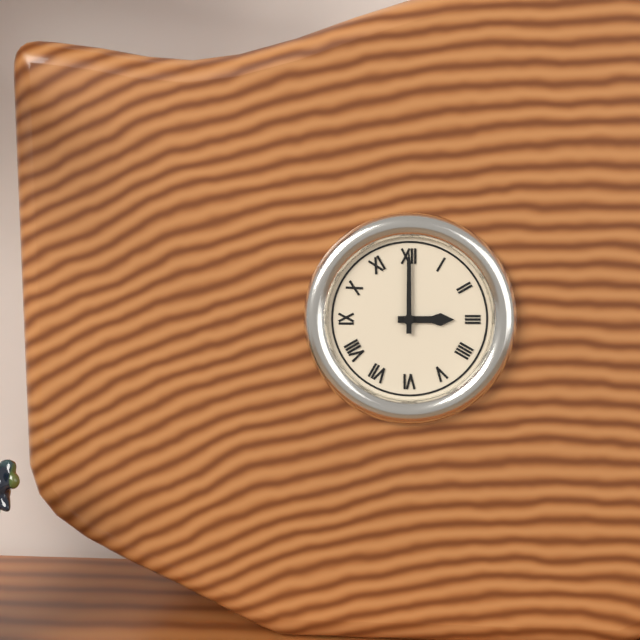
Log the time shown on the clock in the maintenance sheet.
3:00
